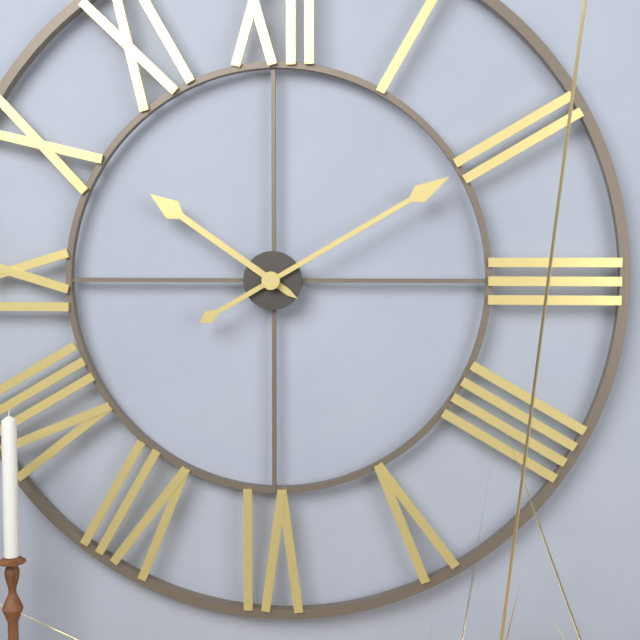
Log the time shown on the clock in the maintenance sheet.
10:10
